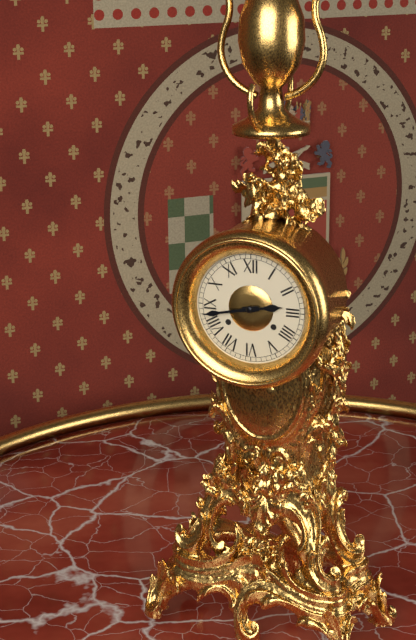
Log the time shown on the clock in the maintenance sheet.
2:43
